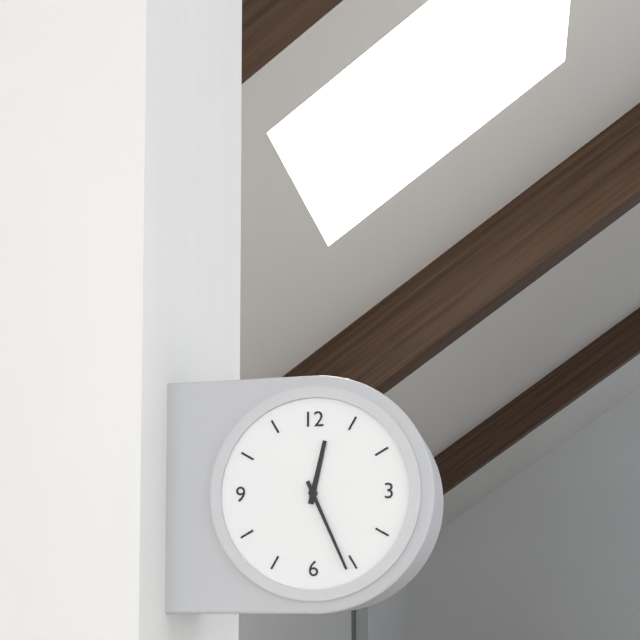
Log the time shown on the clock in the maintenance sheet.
12:26
